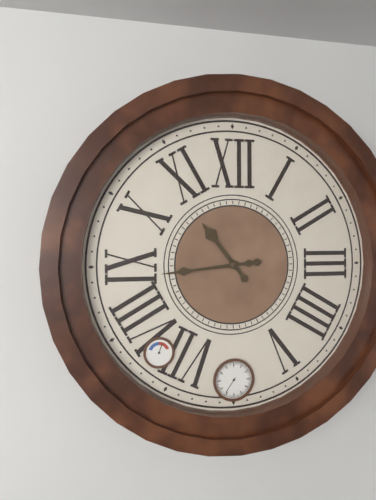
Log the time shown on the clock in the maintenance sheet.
10:44
